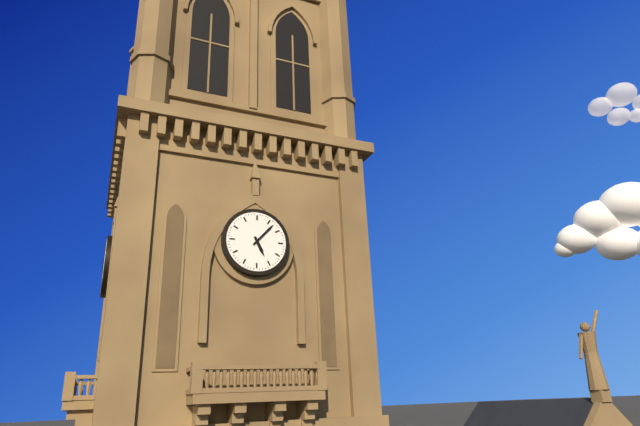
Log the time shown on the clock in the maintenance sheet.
5:07
